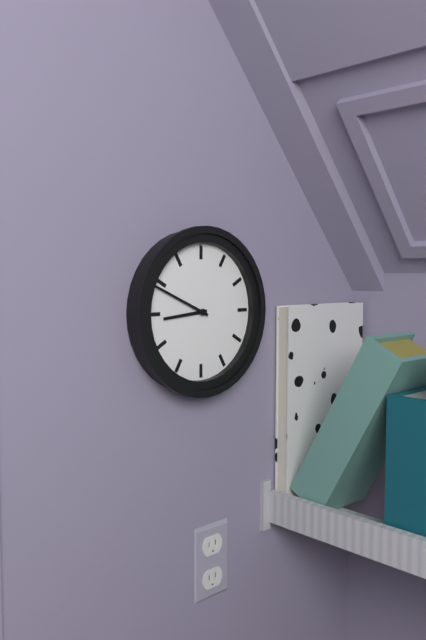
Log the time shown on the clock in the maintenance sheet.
8:49
